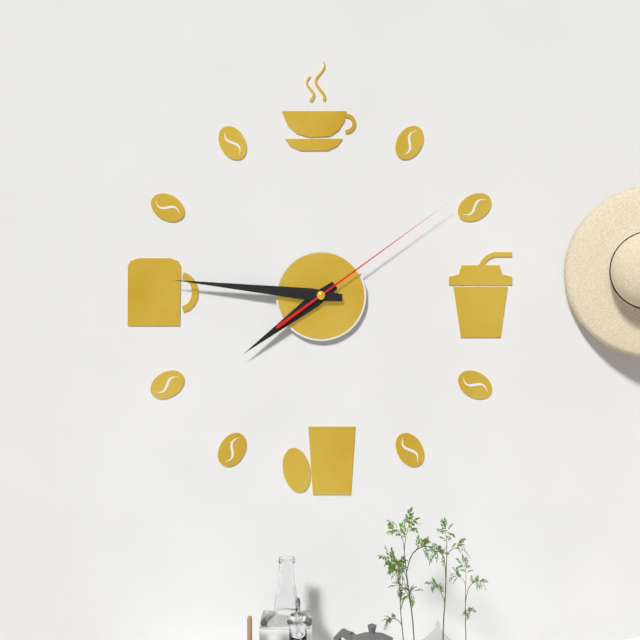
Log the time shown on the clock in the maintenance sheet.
7:46:09
